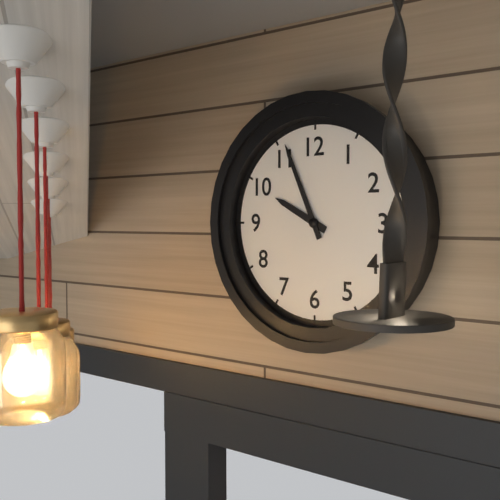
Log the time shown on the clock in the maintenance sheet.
9:56
